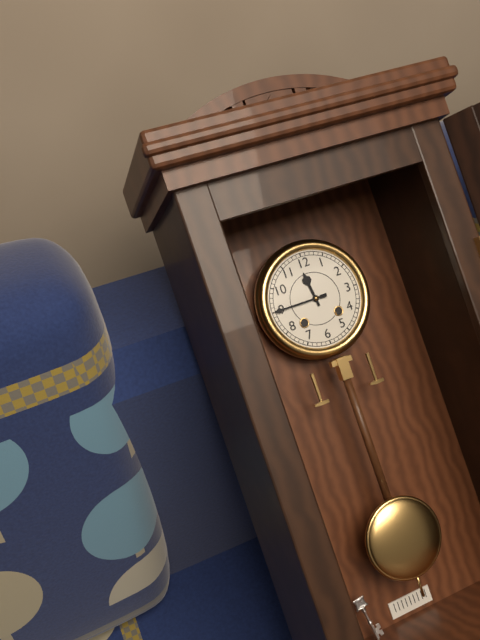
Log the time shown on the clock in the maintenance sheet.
11:45
